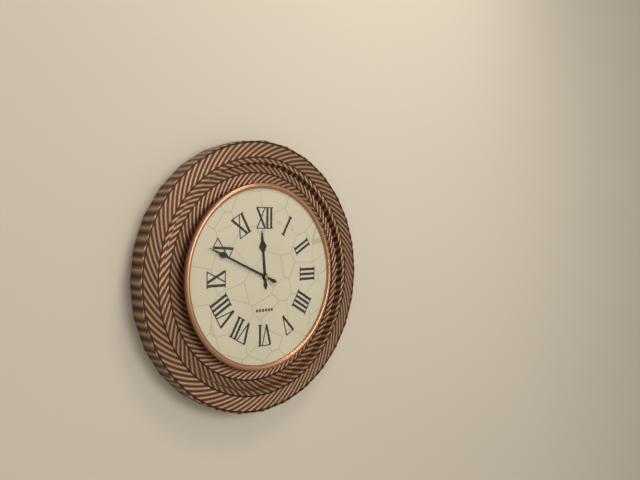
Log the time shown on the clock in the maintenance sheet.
11:49
